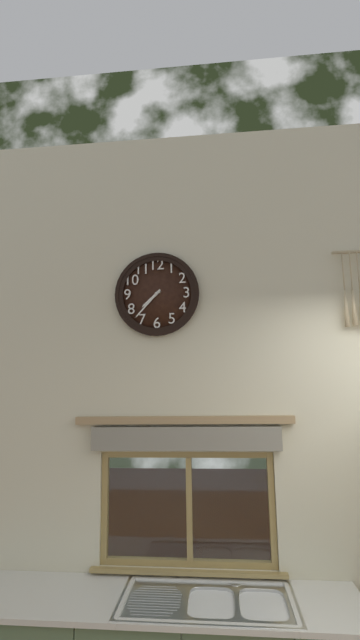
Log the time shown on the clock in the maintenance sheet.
7:37
